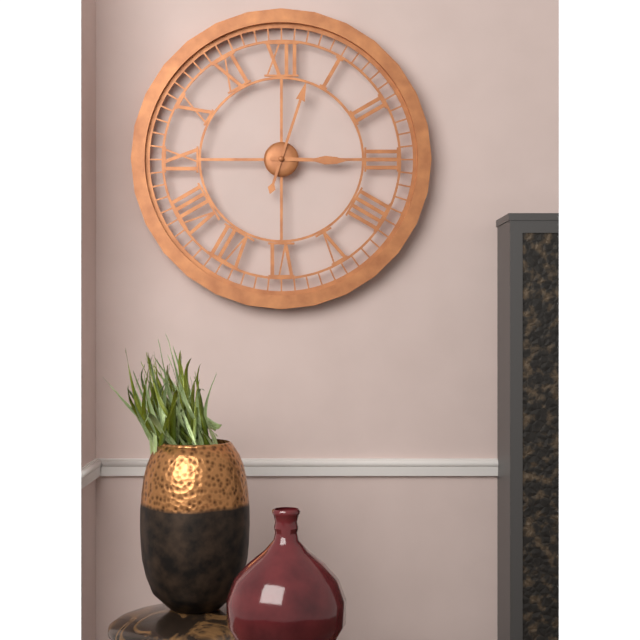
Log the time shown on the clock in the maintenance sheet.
3:03
